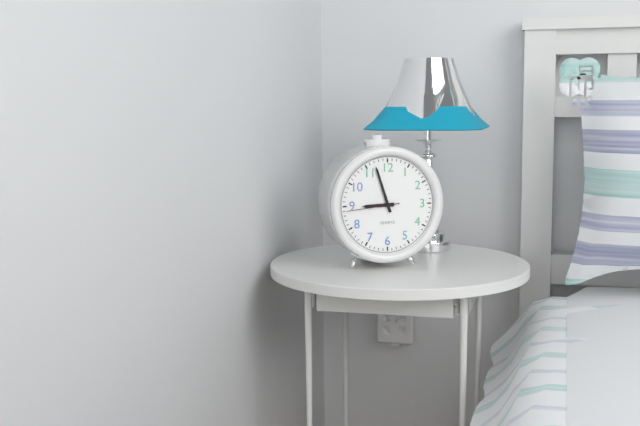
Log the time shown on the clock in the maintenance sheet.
8:57:44
